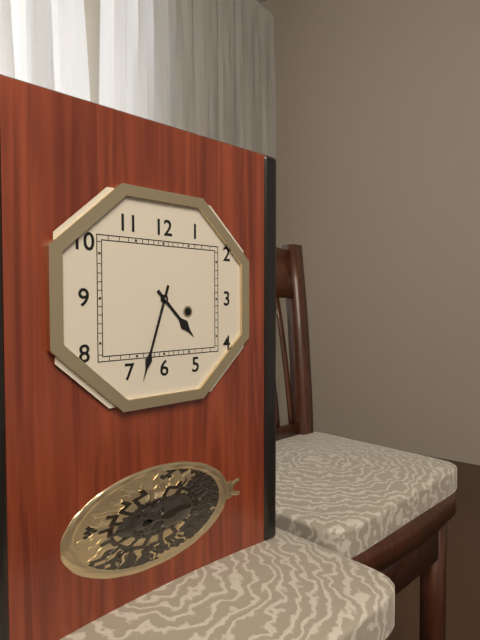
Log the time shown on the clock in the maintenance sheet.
4:33
